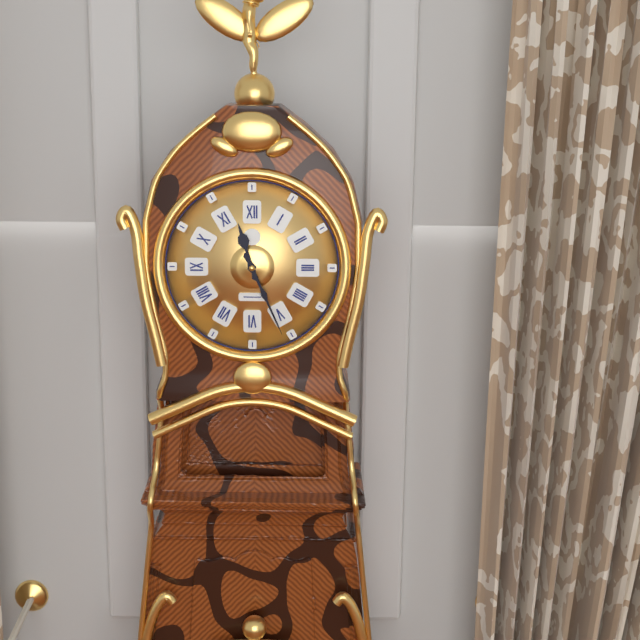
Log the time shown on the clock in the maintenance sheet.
11:26
